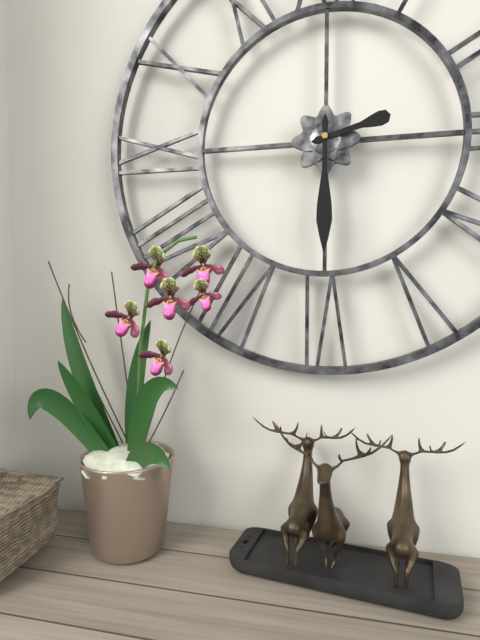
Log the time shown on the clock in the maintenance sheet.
2:30
